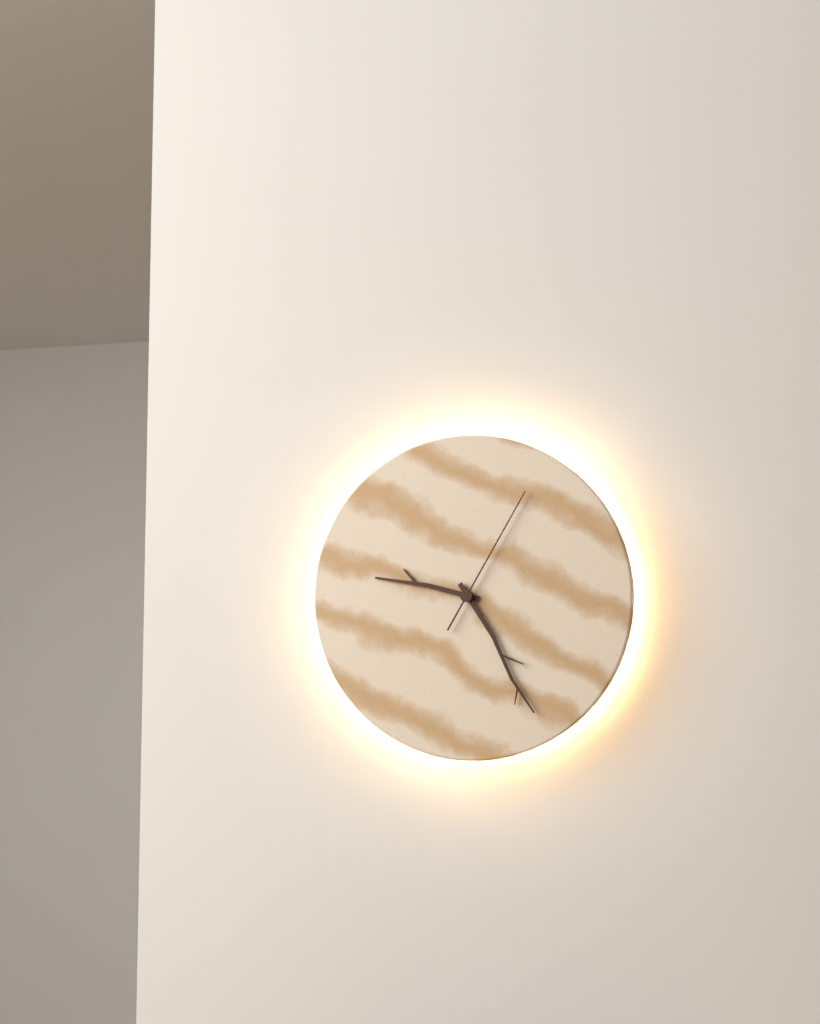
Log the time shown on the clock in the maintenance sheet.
9:25:05
